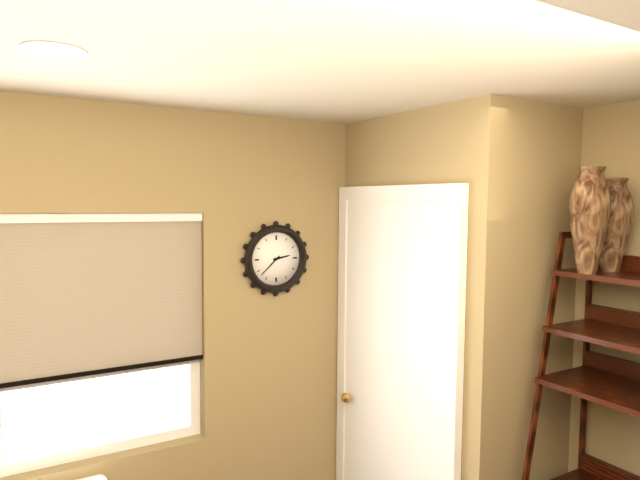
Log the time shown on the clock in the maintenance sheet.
2:38
